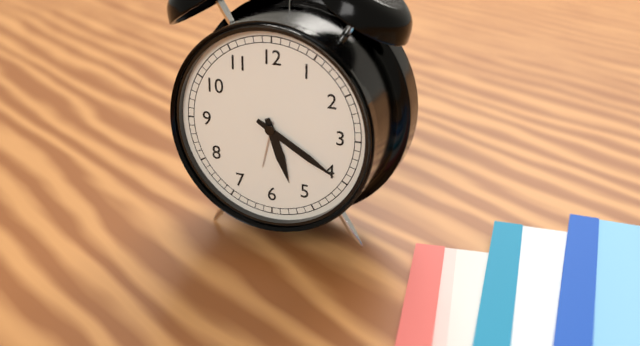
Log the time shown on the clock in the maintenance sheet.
5:20
